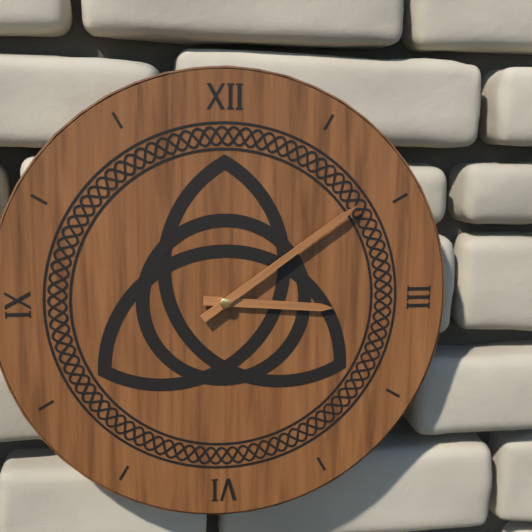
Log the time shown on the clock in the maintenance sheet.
3:09
